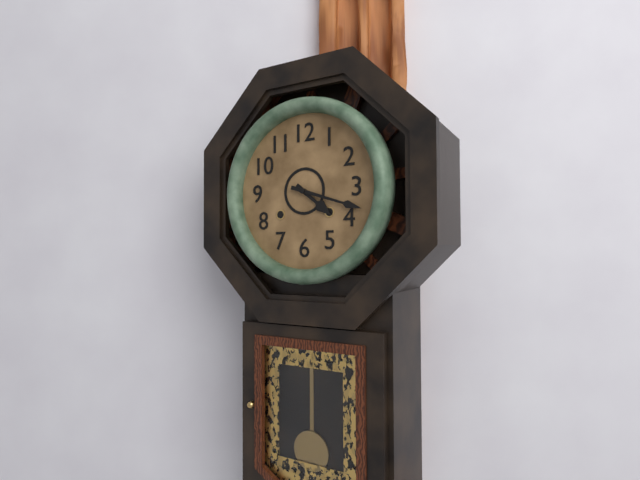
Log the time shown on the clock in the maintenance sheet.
4:18
